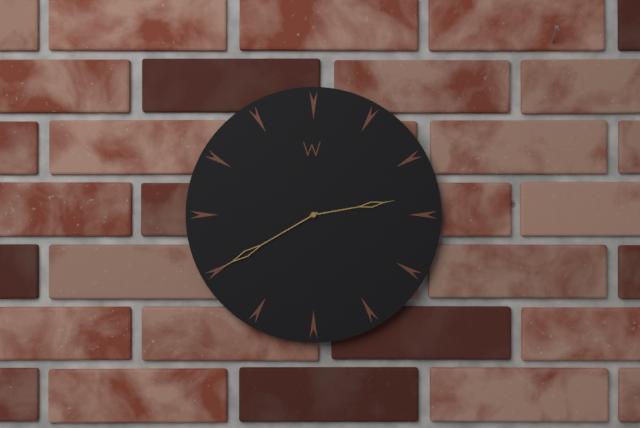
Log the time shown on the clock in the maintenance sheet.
2:40
